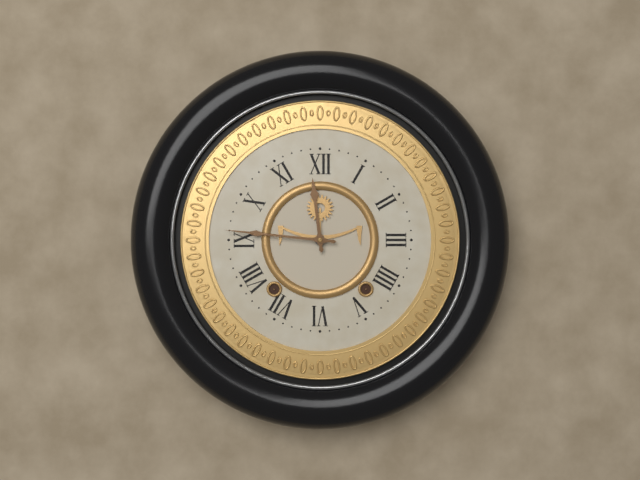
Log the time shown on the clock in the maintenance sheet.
11:46
